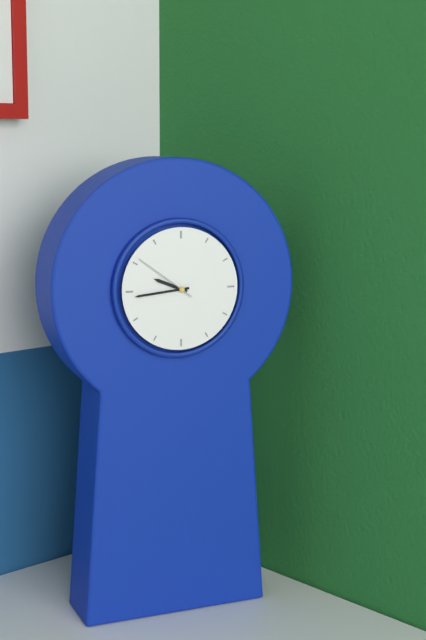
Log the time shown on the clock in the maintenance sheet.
9:44:51
